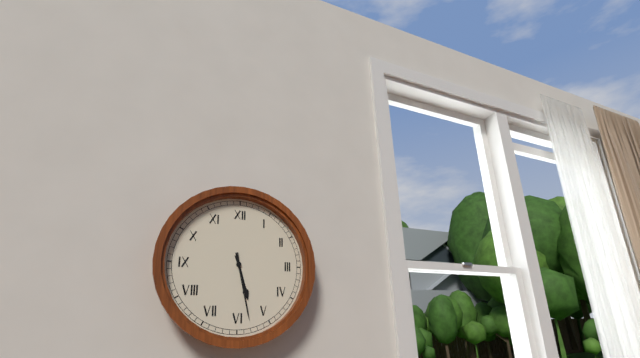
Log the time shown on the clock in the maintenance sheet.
5:28
